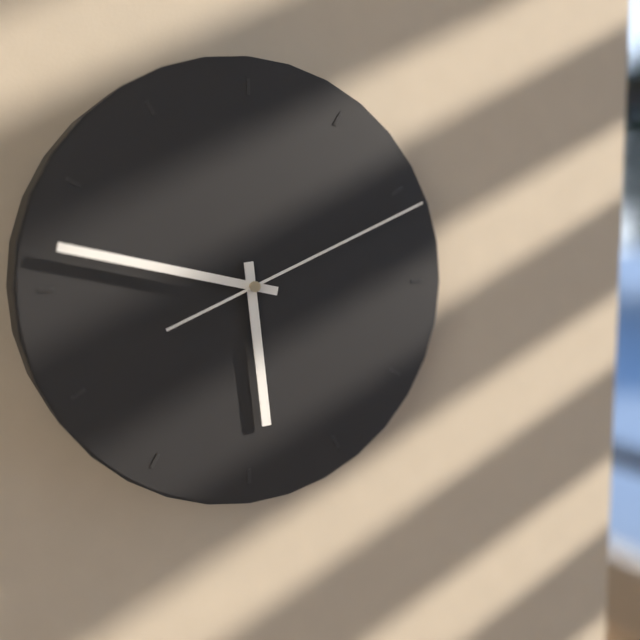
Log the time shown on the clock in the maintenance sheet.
5:47:11
